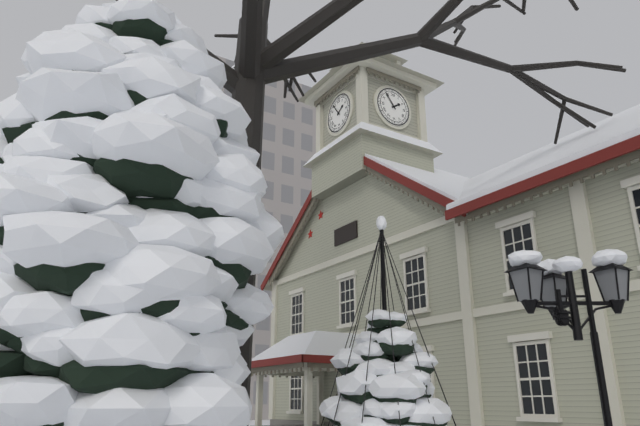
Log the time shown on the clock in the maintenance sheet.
1:54
